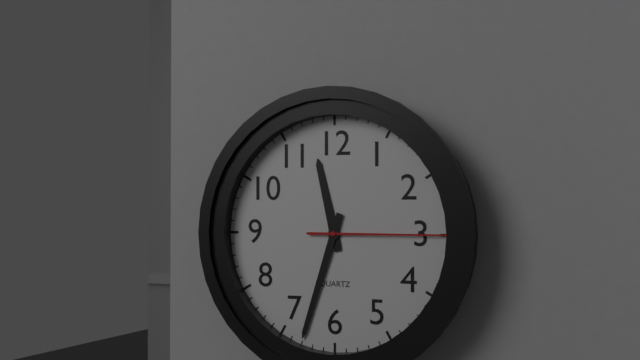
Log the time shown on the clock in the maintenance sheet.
11:33:15
